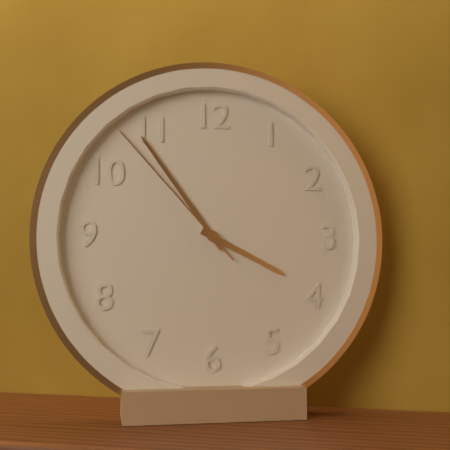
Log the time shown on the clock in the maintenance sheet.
3:54:53
